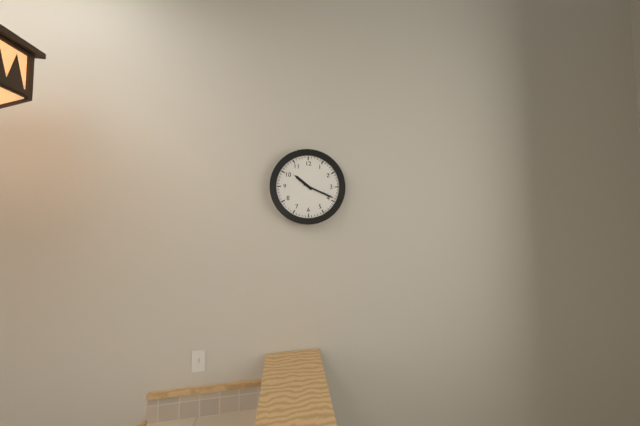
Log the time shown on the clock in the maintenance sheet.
10:19
